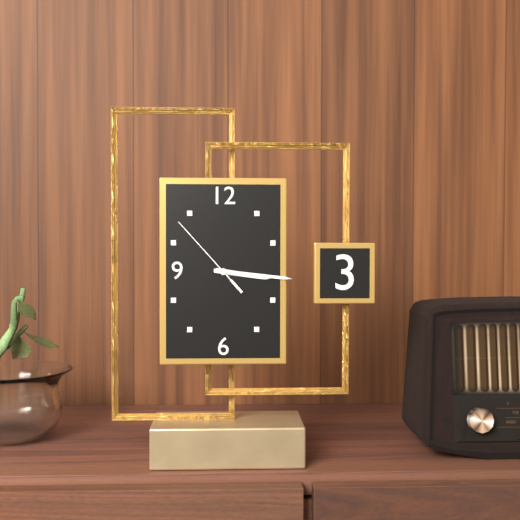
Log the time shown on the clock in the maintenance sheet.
3:16:53
